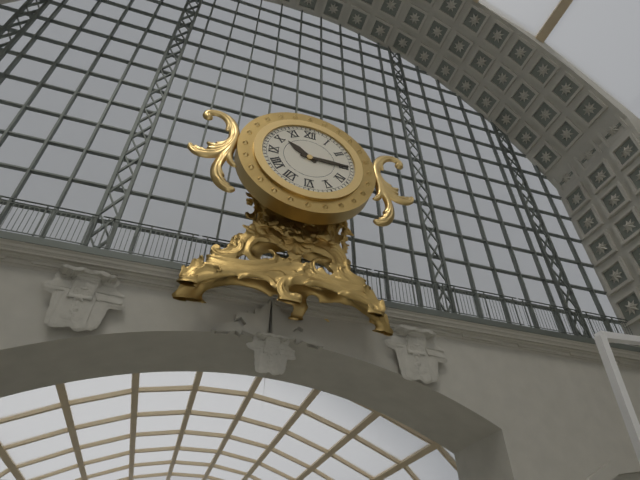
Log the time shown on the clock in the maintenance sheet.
10:15
